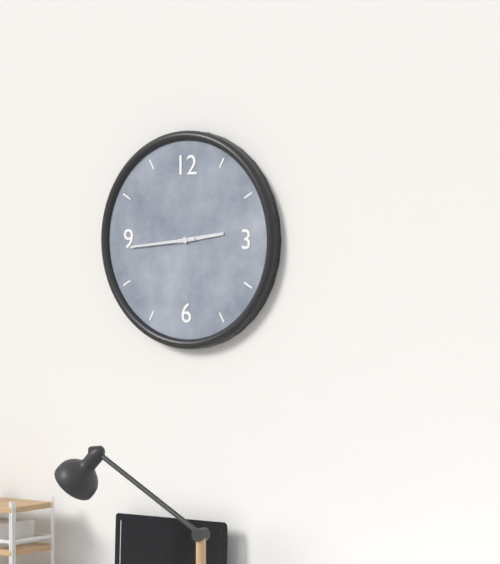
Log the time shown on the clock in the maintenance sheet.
2:44
